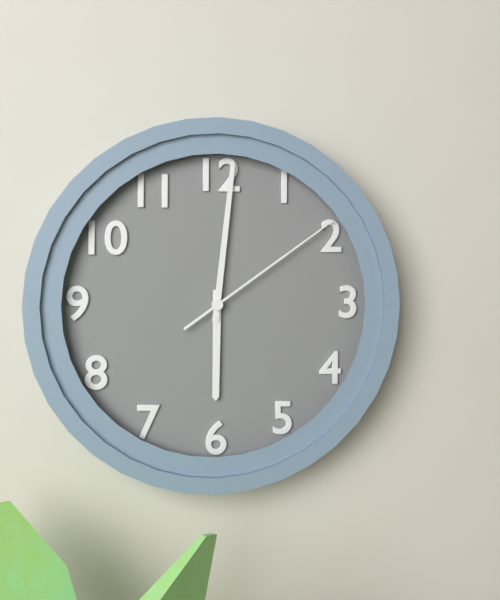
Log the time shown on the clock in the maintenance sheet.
6:01:09
